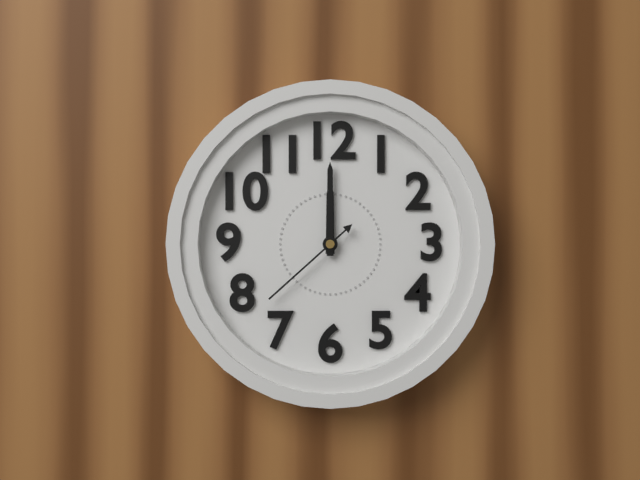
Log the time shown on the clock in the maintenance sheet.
12:00:38
